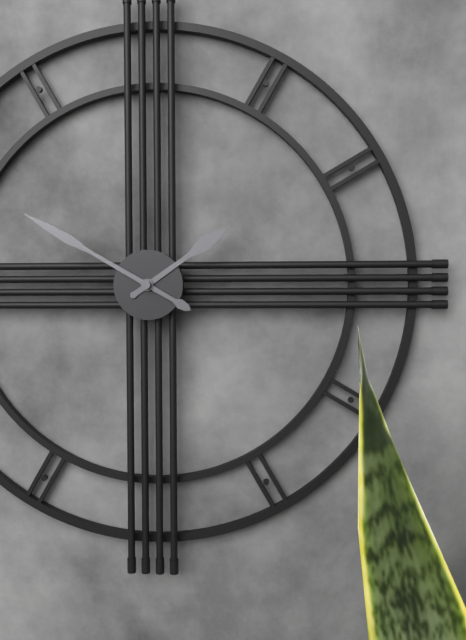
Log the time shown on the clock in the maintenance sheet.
1:50
